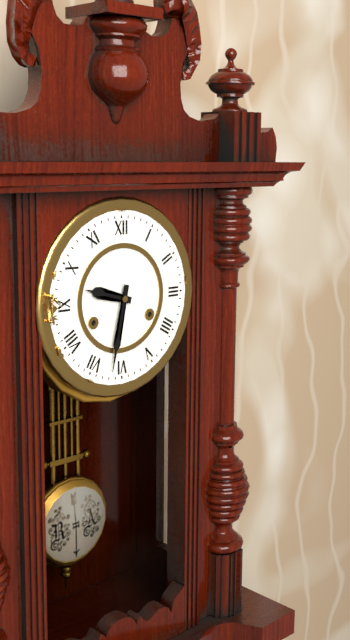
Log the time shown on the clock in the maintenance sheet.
9:32
